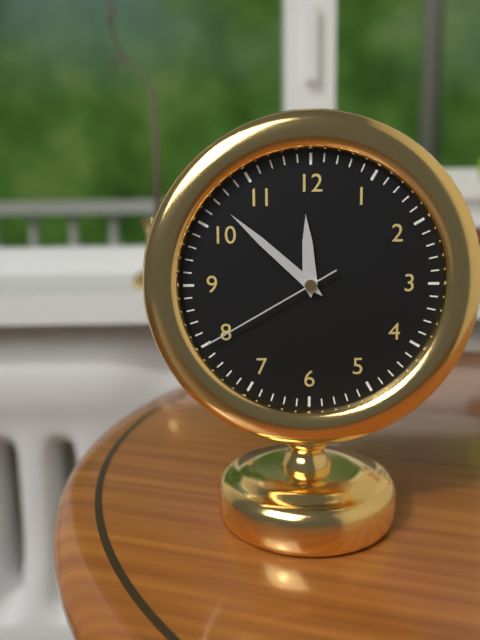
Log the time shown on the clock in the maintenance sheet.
11:52:40
